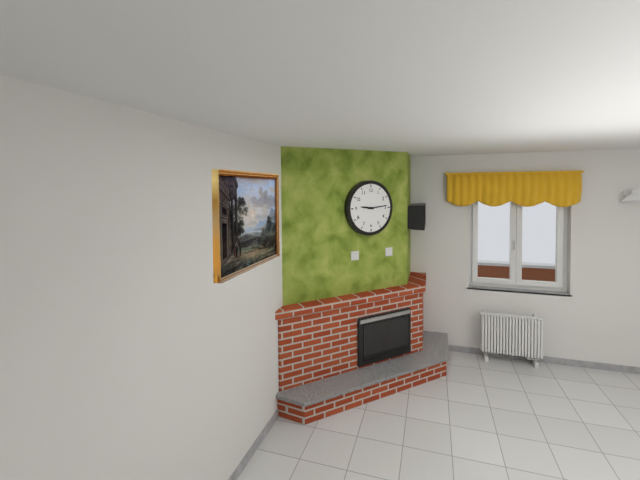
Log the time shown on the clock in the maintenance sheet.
9:14
